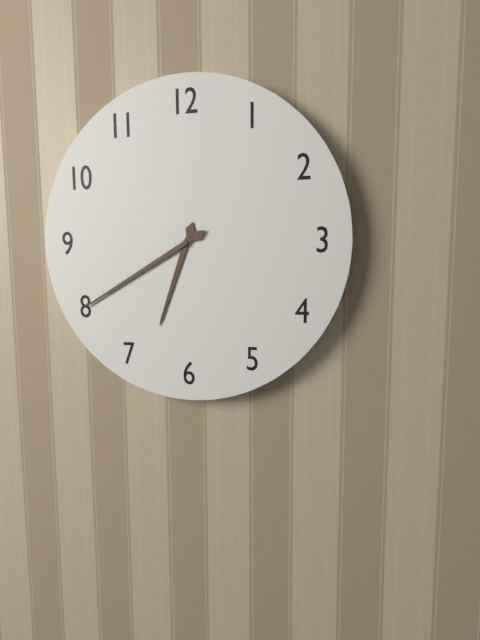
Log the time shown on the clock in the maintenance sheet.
6:40
